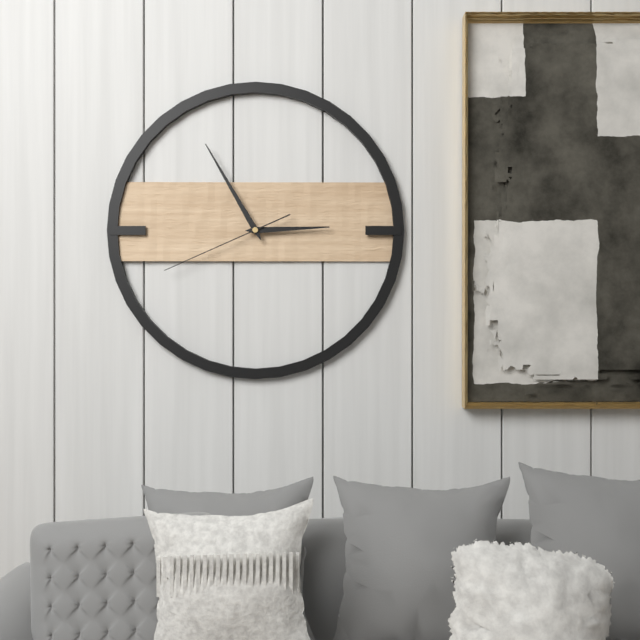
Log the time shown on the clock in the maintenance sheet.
2:55:41
